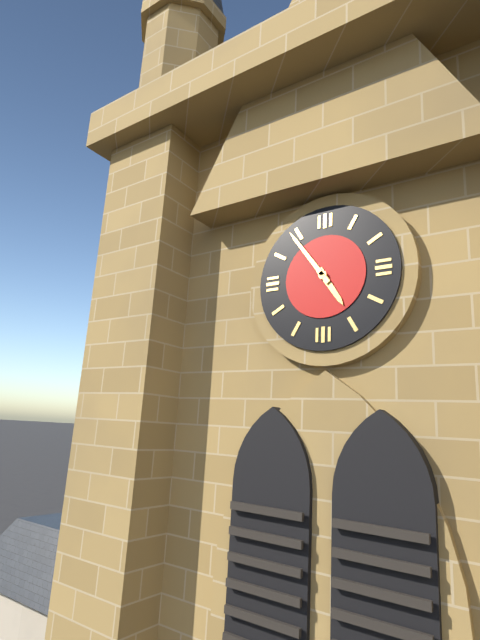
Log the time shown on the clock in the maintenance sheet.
4:54
